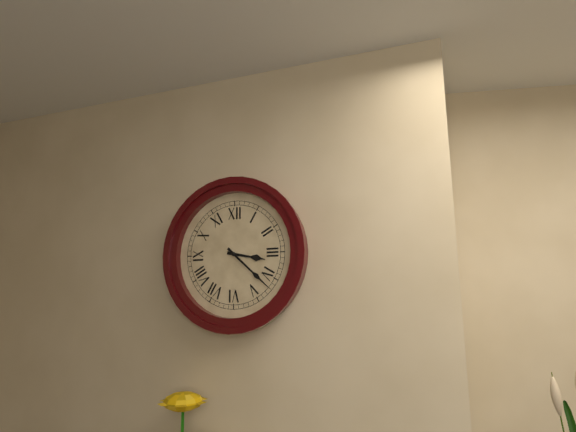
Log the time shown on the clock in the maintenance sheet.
3:22
